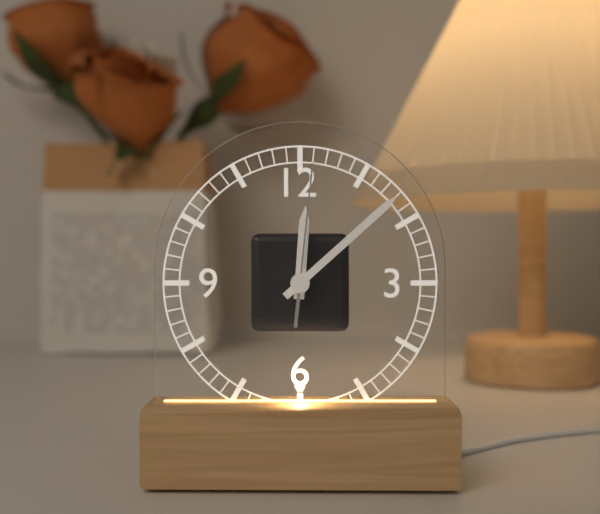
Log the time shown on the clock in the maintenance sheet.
12:08:01
